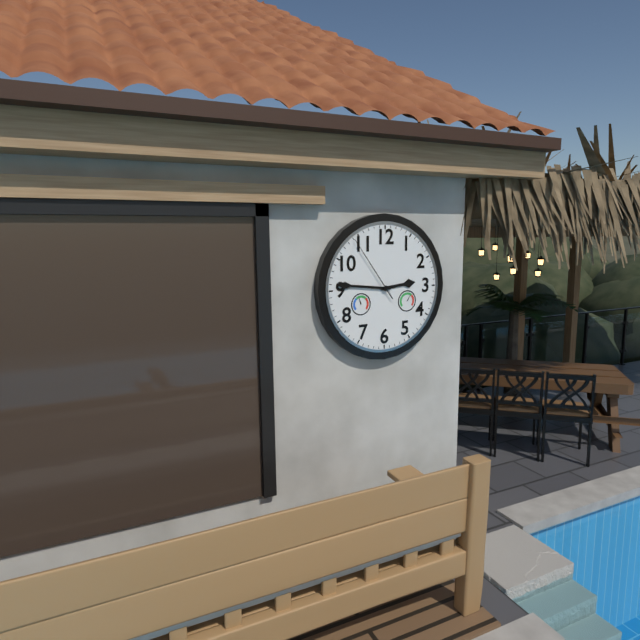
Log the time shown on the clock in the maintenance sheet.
2:46:54
